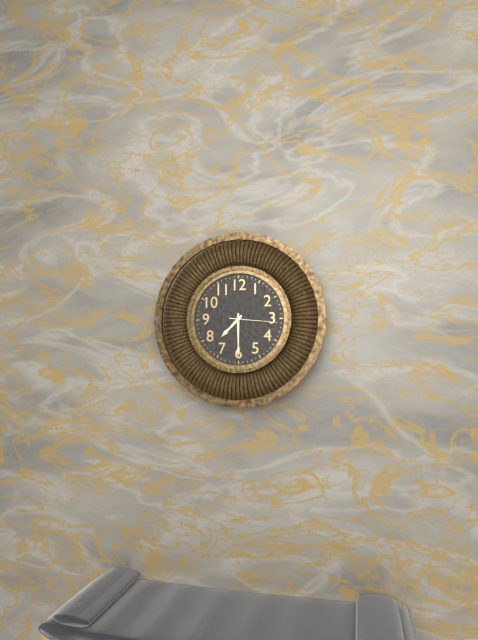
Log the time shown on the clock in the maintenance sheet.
7:30:16
